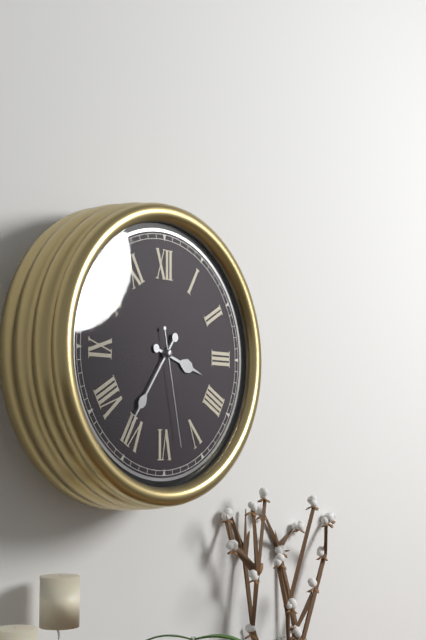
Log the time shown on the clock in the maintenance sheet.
3:36:28
